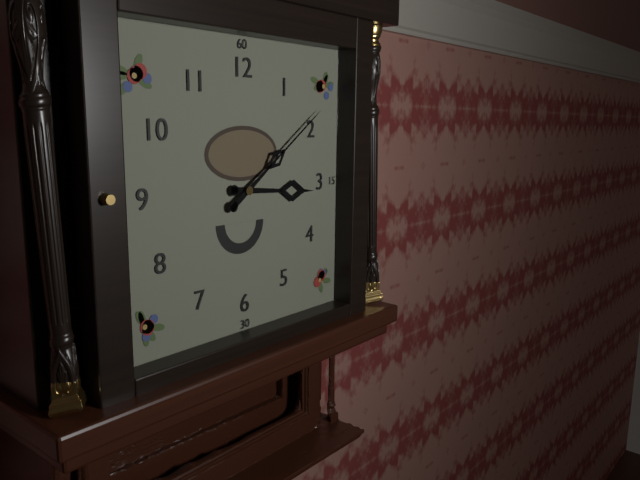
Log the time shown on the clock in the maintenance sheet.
3:09
